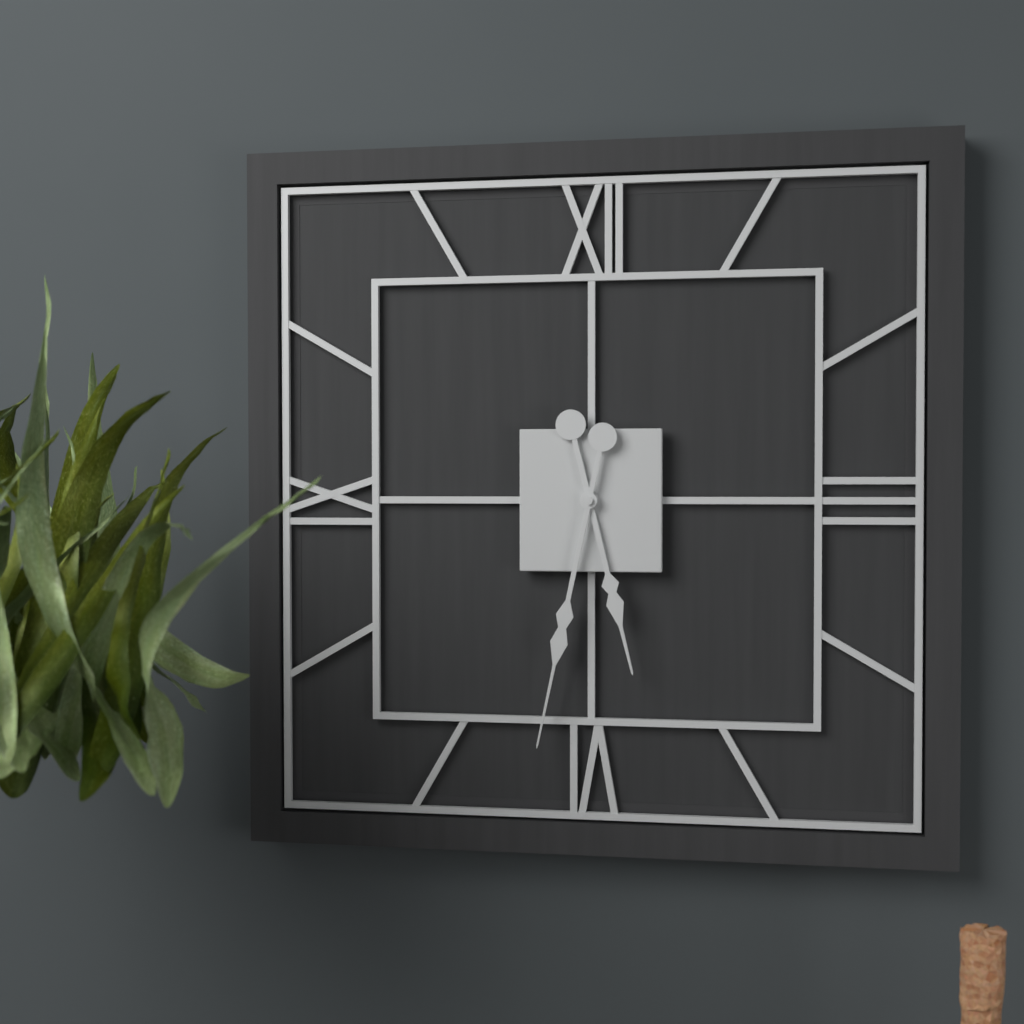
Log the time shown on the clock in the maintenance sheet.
5:32
